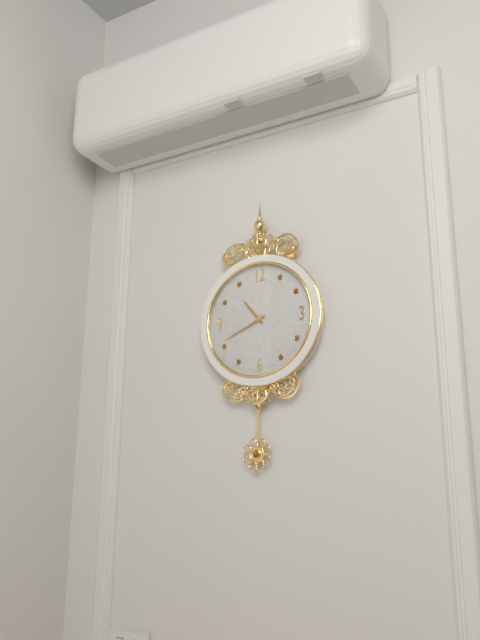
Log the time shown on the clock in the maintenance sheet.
10:41
